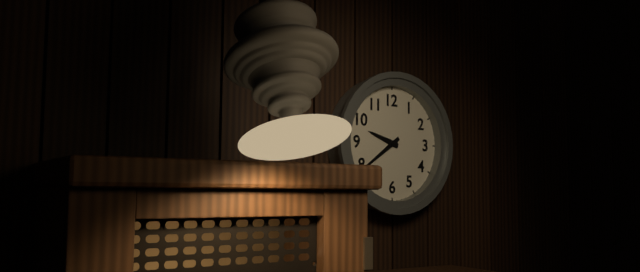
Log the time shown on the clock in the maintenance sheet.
9:39
